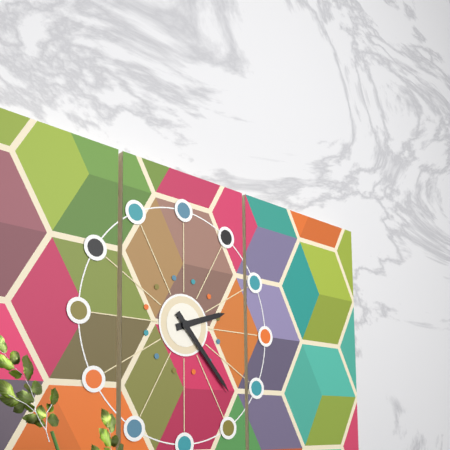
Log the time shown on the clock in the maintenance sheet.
2:23
